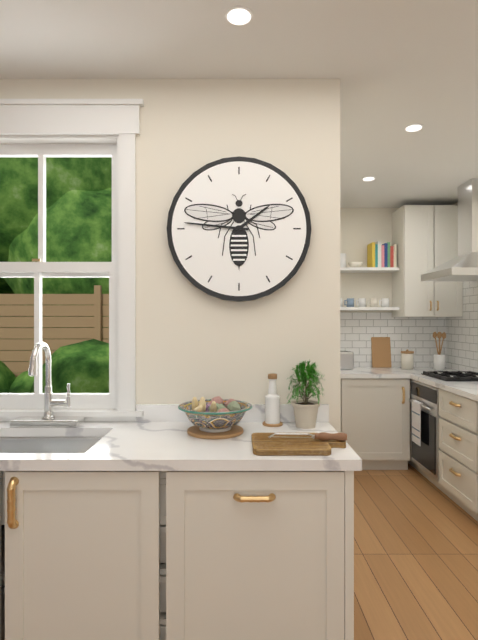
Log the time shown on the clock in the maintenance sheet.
1:46
